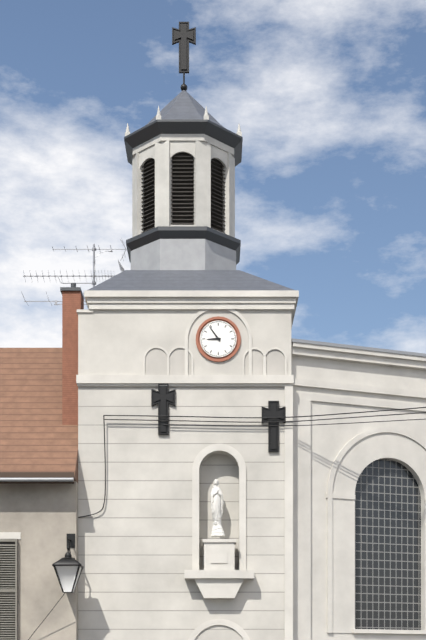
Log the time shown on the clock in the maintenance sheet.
8:54
